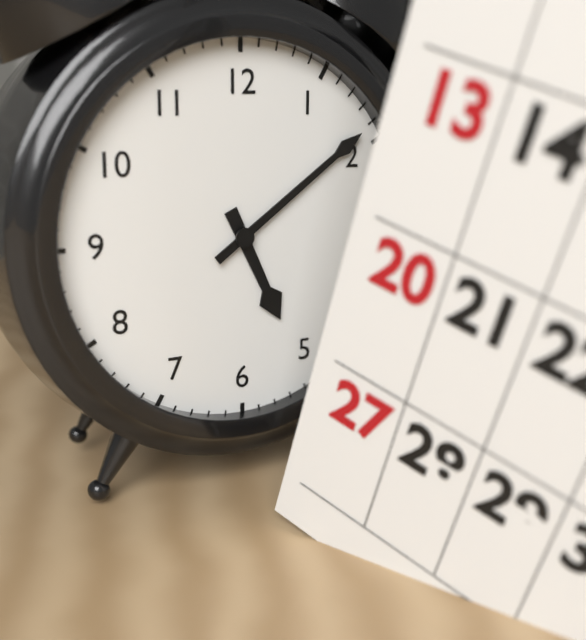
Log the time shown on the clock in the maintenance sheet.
5:09
